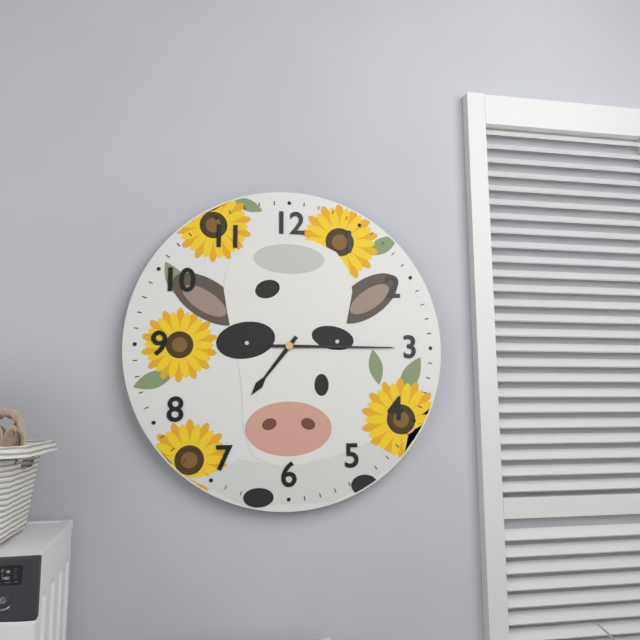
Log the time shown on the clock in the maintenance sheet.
7:15
